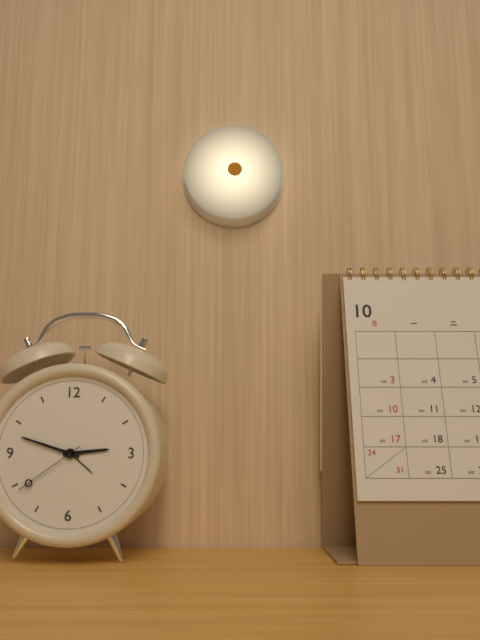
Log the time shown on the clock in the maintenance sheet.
2:48:39
